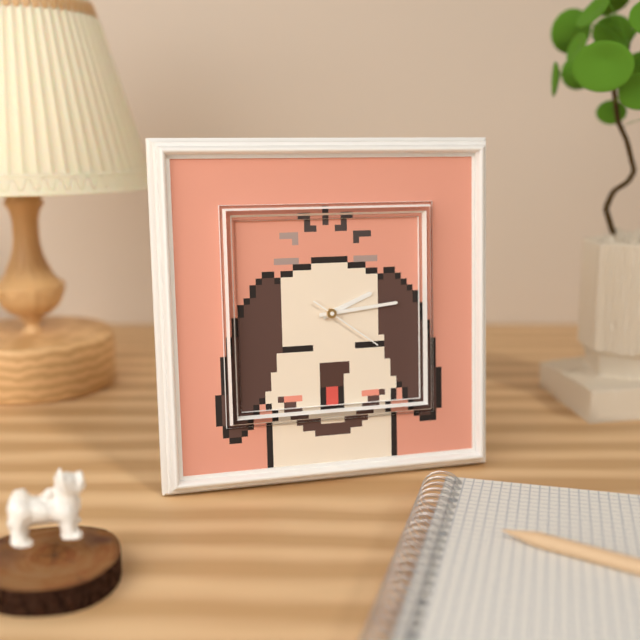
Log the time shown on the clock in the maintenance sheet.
2:14:21
